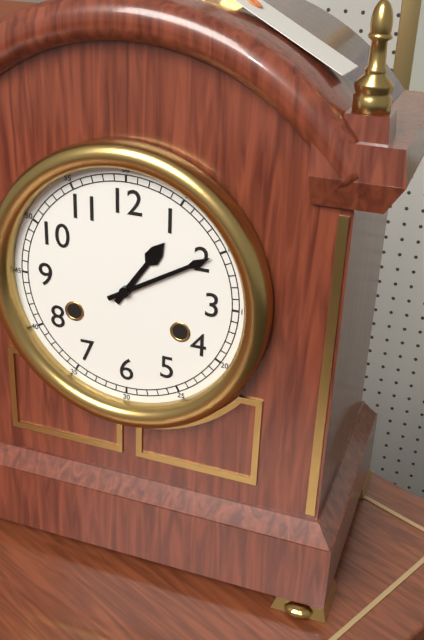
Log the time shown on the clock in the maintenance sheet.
1:10
